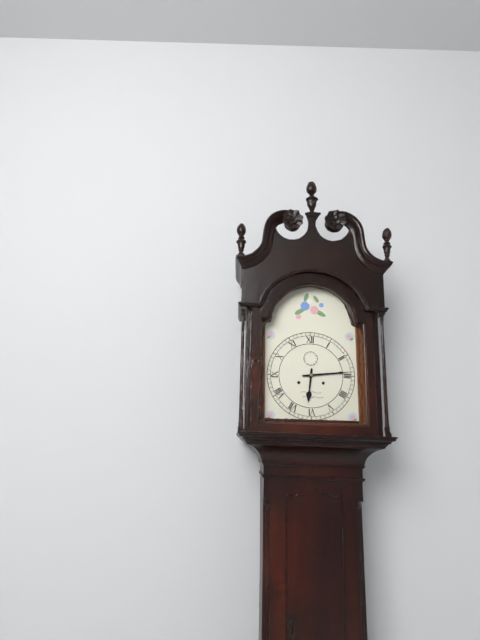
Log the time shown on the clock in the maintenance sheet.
6:14
